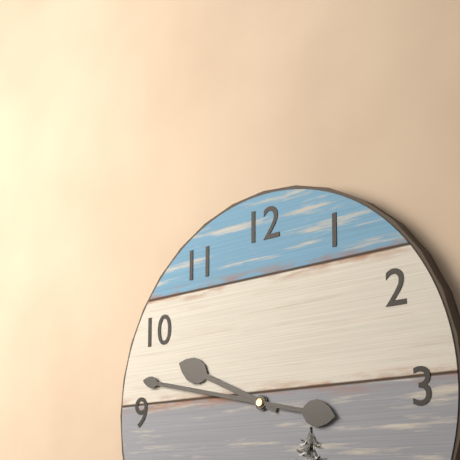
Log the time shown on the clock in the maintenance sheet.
9:47
